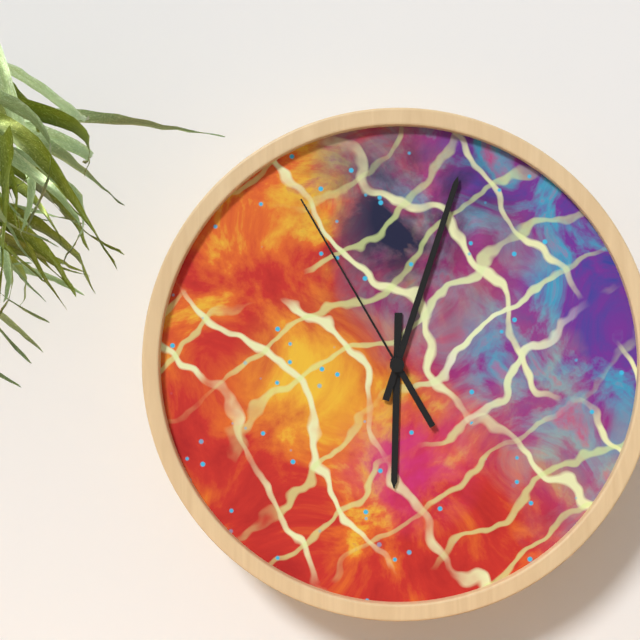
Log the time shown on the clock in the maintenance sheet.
6:03:55
